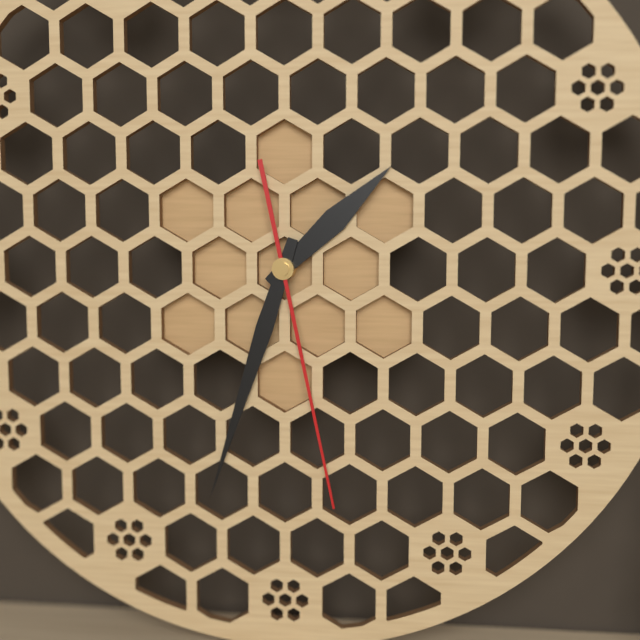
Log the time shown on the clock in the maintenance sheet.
1:33:28
